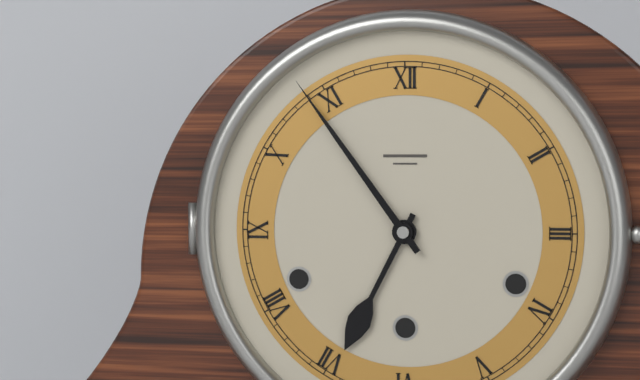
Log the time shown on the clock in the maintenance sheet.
6:54
